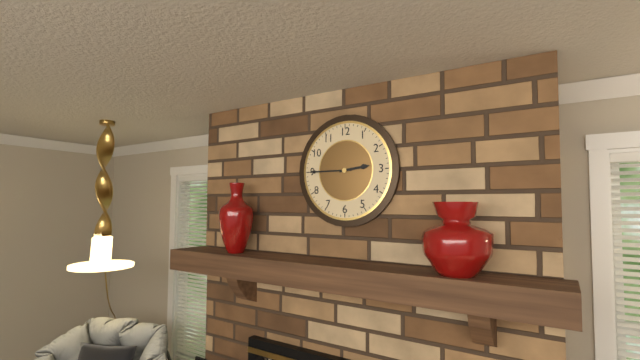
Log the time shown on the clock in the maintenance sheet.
2:45
